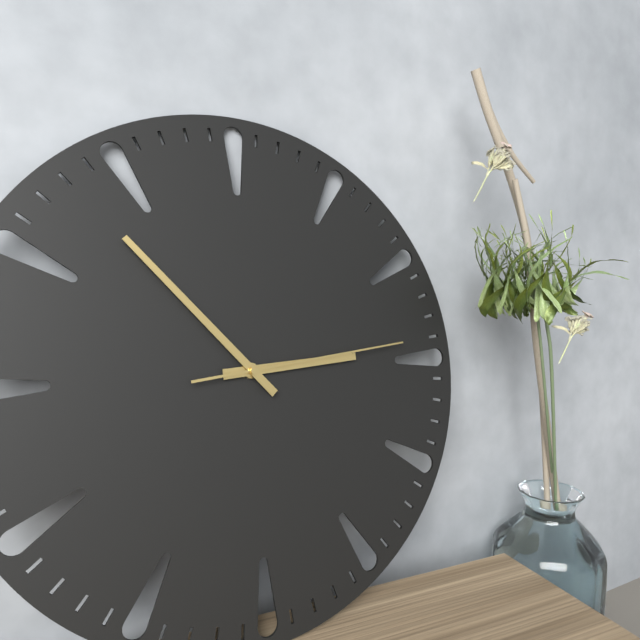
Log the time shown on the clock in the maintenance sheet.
2:53:14
